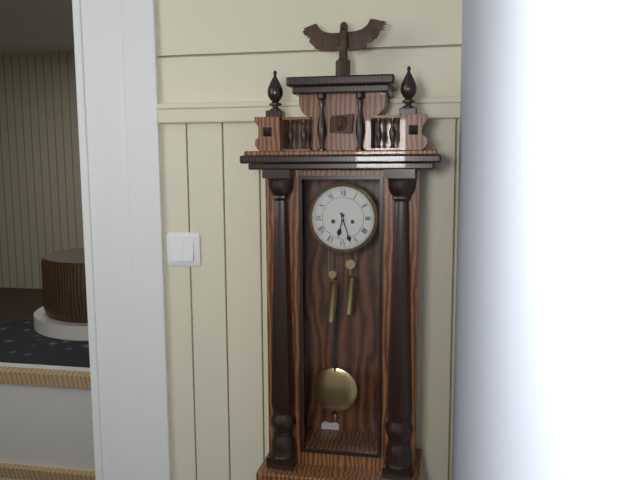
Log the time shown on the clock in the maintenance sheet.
6:27
